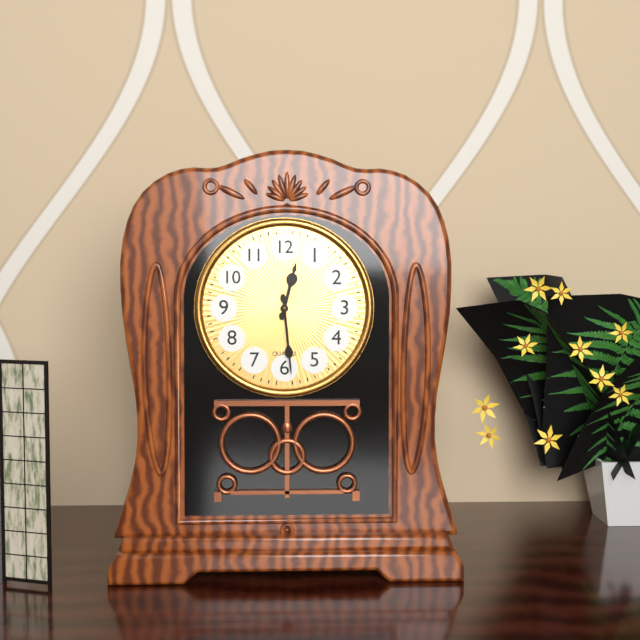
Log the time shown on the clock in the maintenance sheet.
12:29
